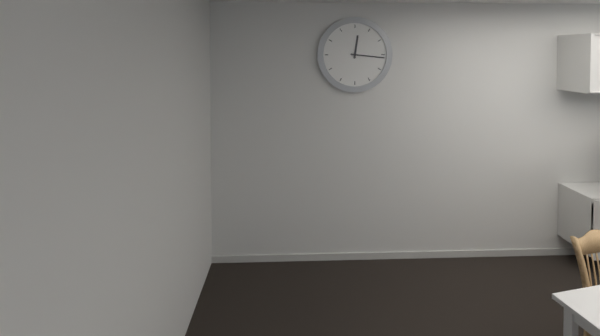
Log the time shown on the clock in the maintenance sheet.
12:16
